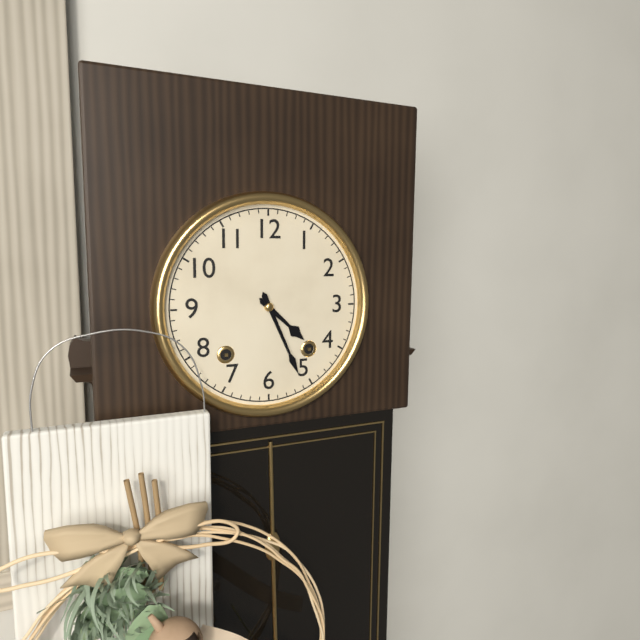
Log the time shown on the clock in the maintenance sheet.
4:26
